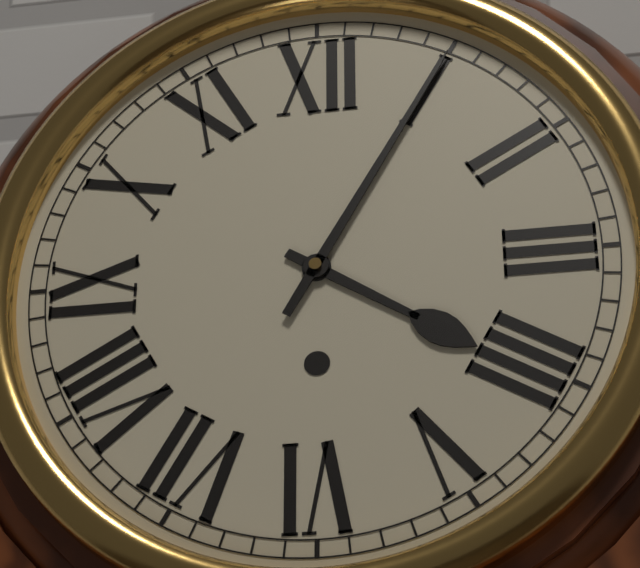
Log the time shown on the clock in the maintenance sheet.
4:05
